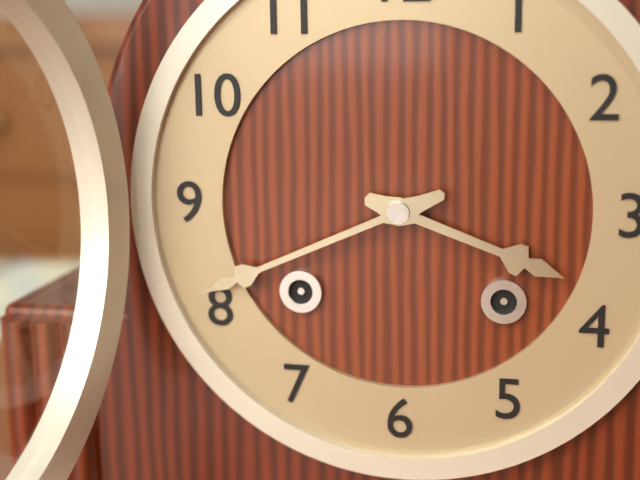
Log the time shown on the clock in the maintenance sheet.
3:41
